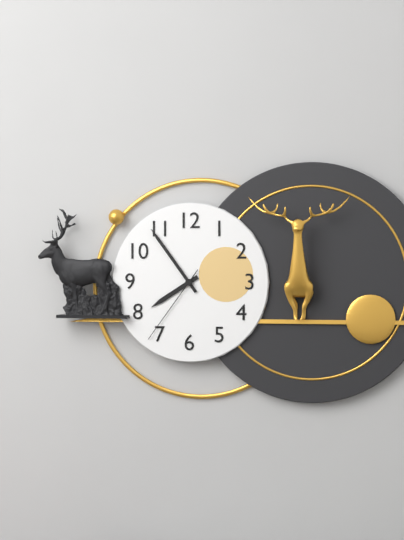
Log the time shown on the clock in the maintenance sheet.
7:54:36
